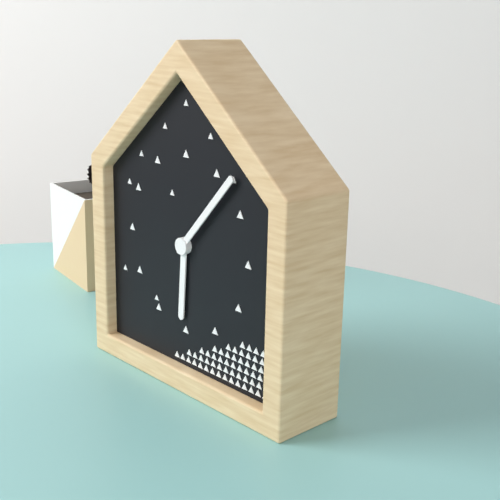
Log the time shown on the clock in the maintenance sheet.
6:07
